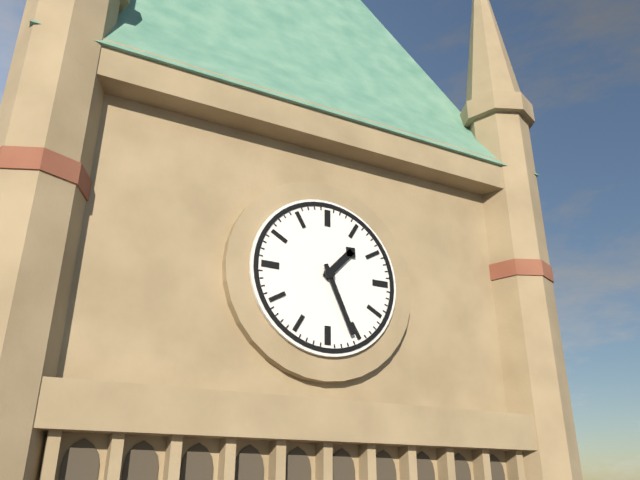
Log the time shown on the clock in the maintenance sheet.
1:26
